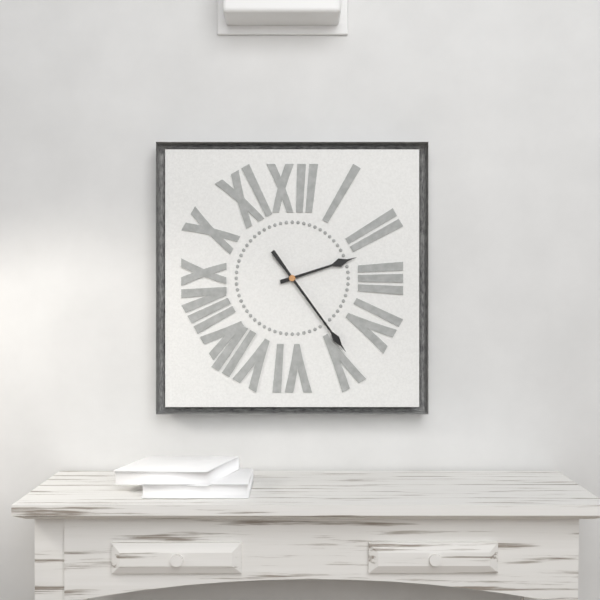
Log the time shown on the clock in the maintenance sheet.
2:24
